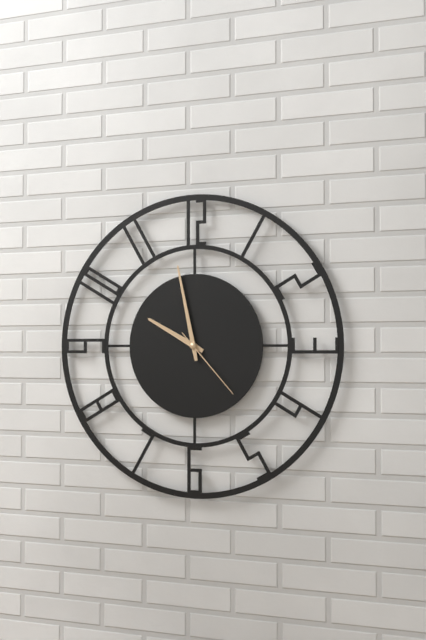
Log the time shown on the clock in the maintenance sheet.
9:58:23
